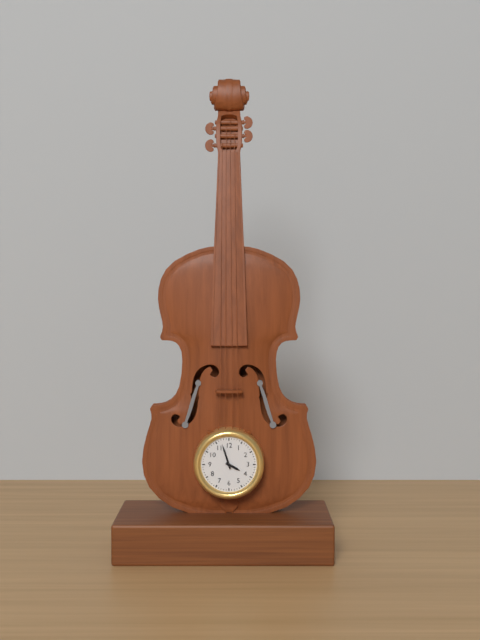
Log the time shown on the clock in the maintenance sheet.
3:57
